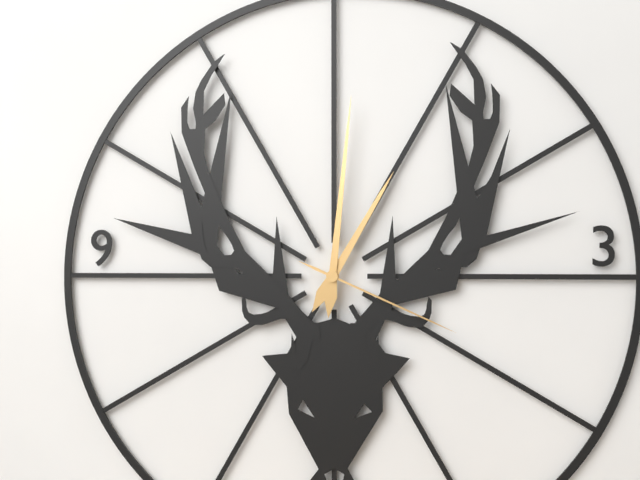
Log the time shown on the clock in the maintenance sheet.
1:01:19
